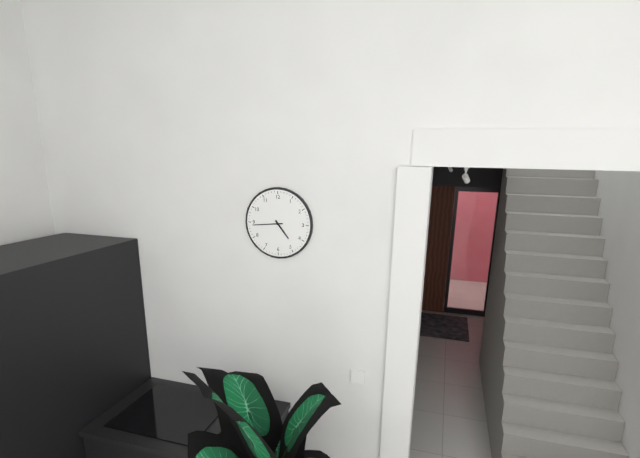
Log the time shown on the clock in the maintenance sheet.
4:44
